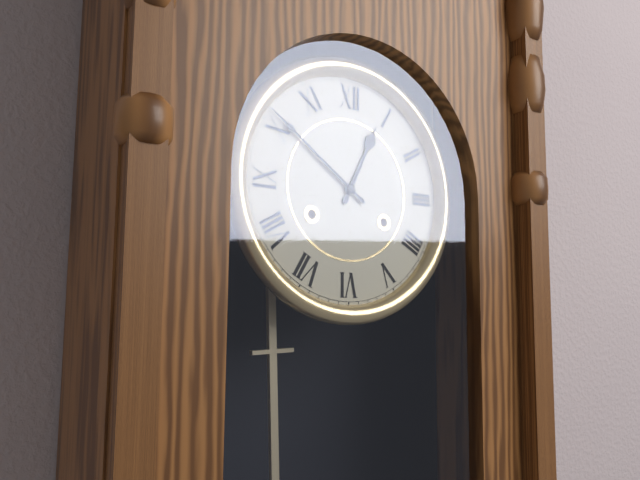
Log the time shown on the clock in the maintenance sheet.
12:51
